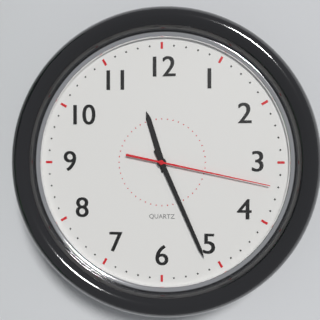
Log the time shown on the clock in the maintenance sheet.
11:26:17
